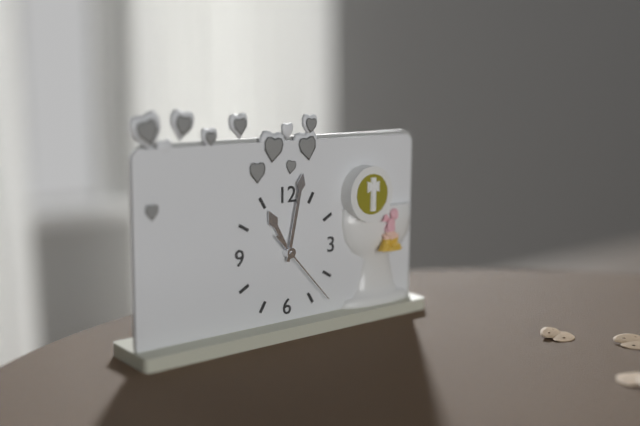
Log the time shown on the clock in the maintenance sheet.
11:02:23
